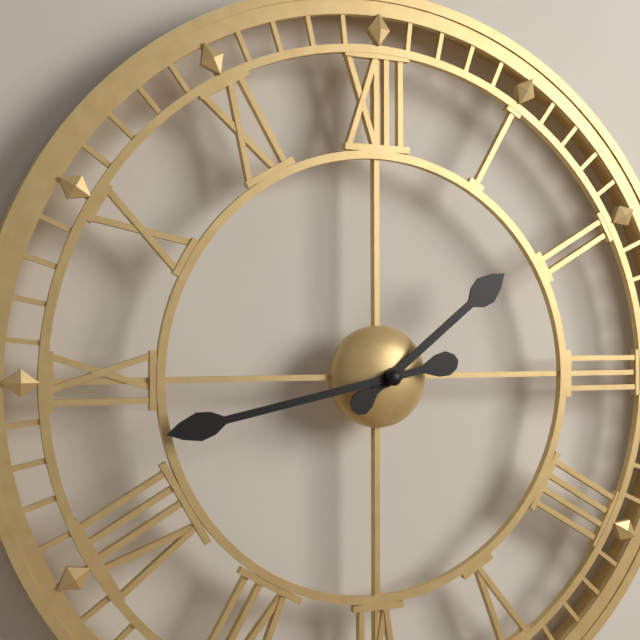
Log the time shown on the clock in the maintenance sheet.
1:43
